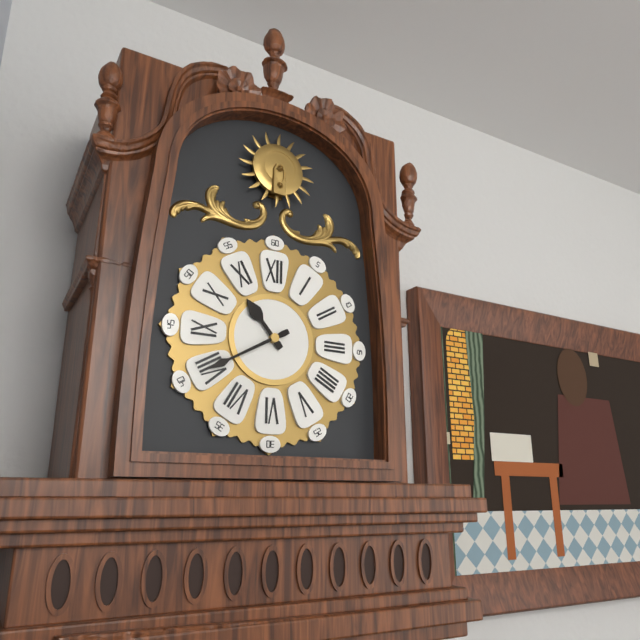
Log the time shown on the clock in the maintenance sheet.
10:40
